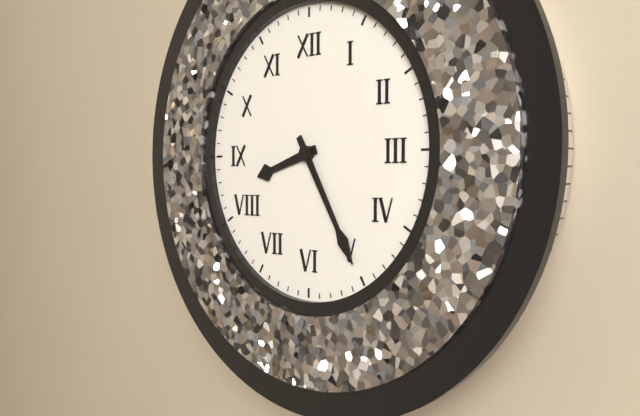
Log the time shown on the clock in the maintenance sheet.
8:25
